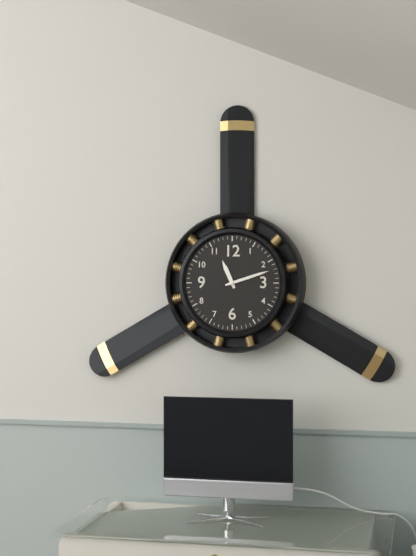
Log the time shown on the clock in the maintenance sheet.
11:12
